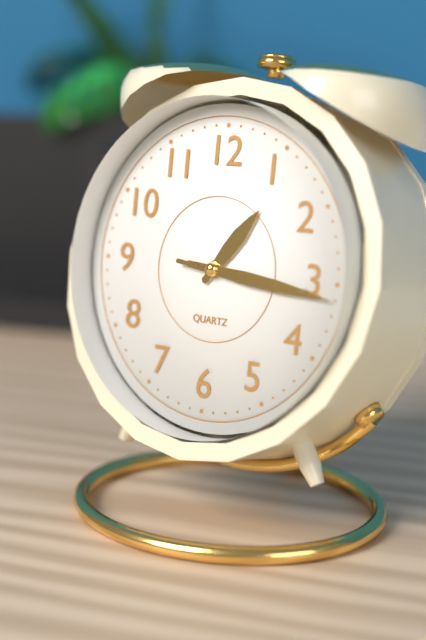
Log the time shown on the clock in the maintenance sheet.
1:16:16
